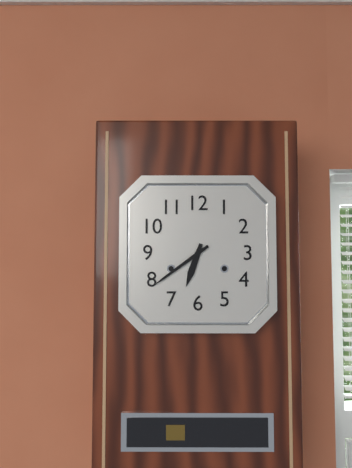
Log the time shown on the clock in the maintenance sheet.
6:39
